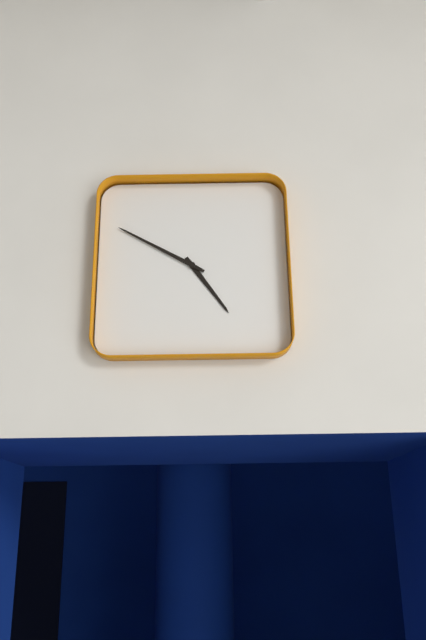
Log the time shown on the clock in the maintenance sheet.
4:50
